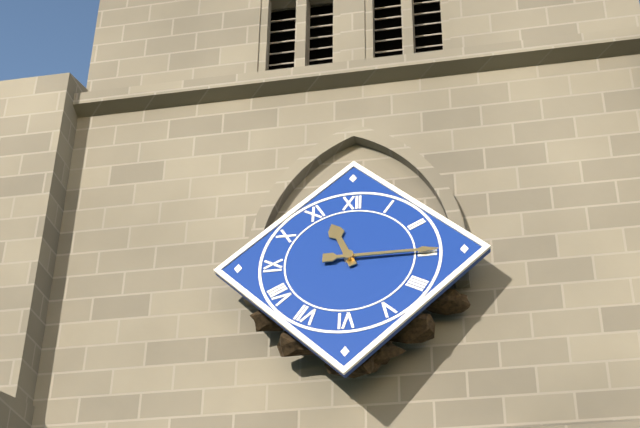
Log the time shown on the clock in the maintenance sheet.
11:15
